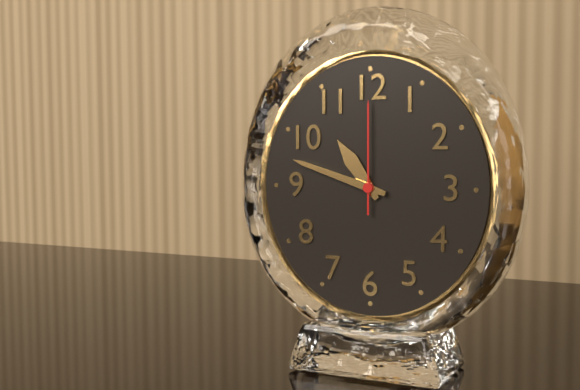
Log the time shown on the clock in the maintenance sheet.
10:48:00
